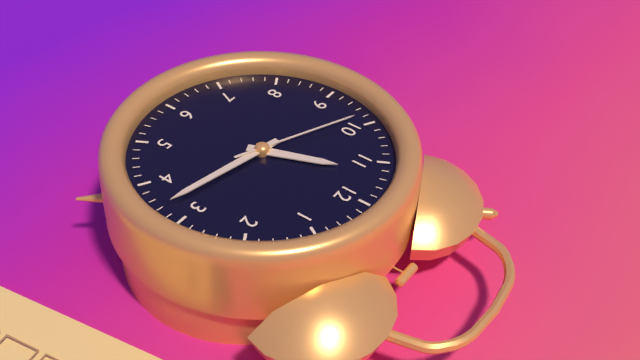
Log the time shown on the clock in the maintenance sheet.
11:17:49
